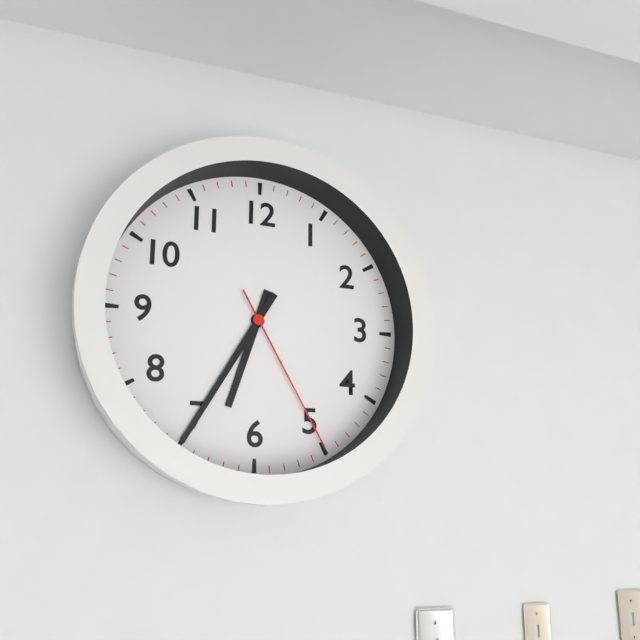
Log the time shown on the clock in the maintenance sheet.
6:35:25
